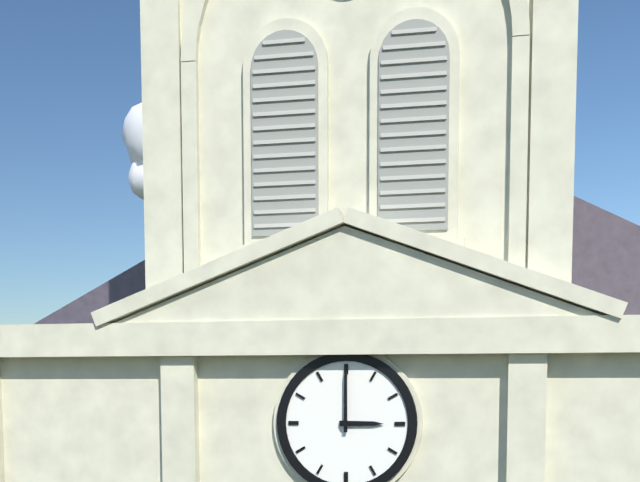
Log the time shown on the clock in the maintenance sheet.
3:00
